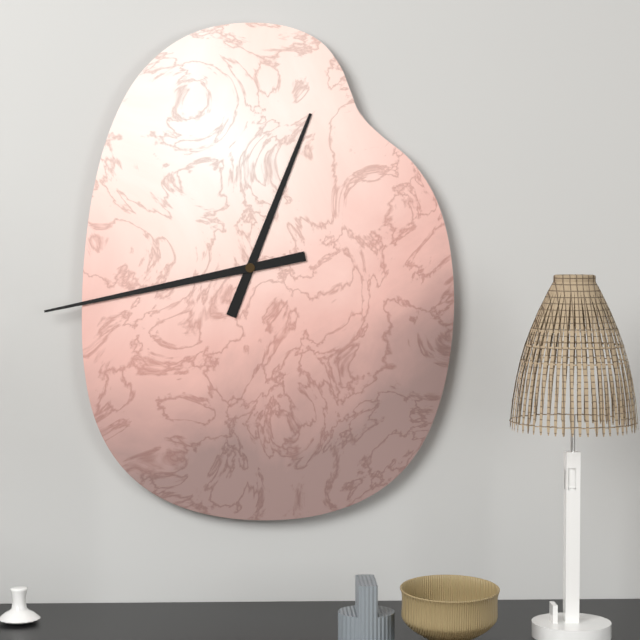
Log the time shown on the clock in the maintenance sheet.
12:43
